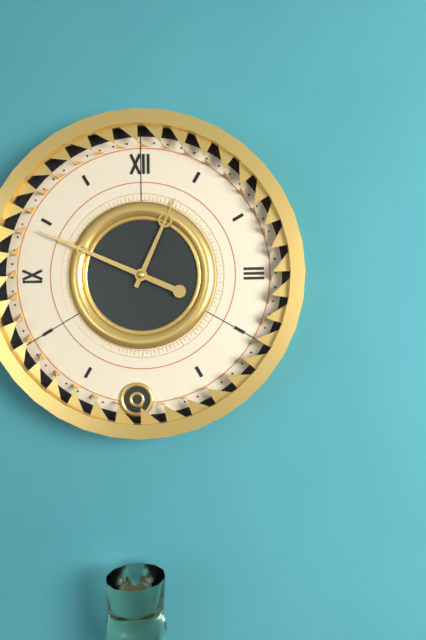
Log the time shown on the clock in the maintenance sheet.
12:49
